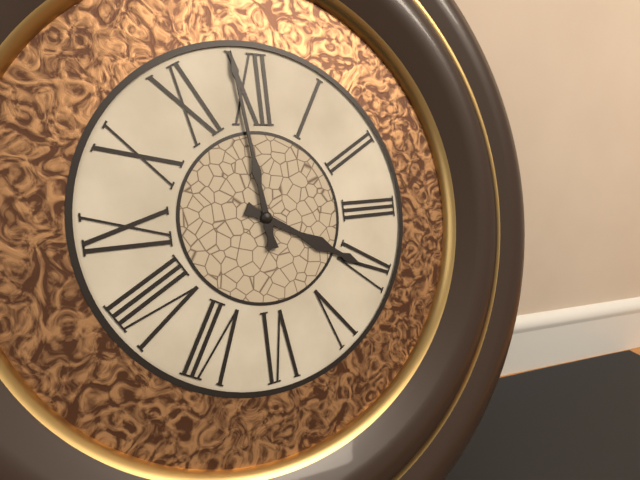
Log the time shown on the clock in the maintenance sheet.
3:59
